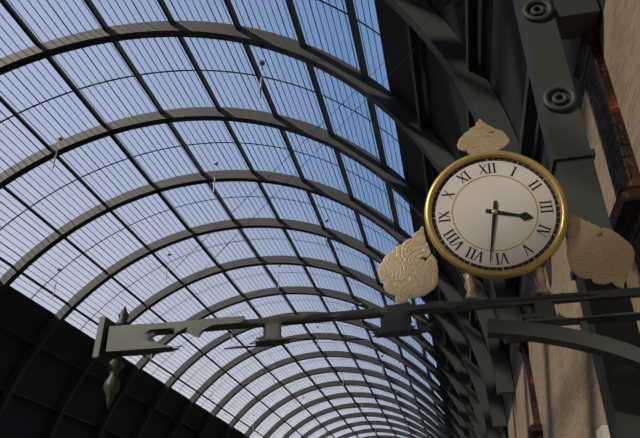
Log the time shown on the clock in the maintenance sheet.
3:32
